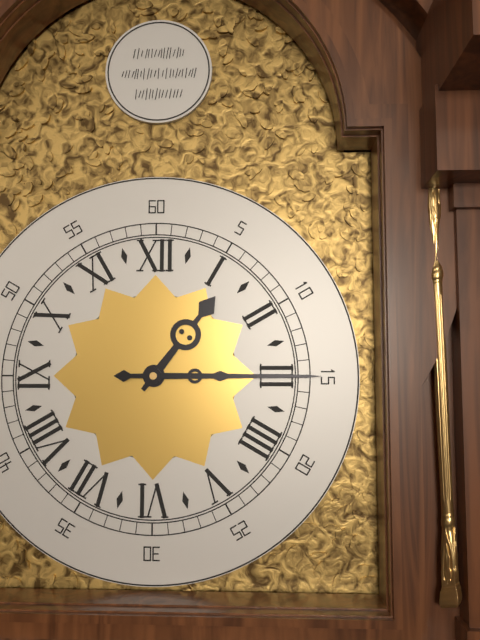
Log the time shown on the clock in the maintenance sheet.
1:15
